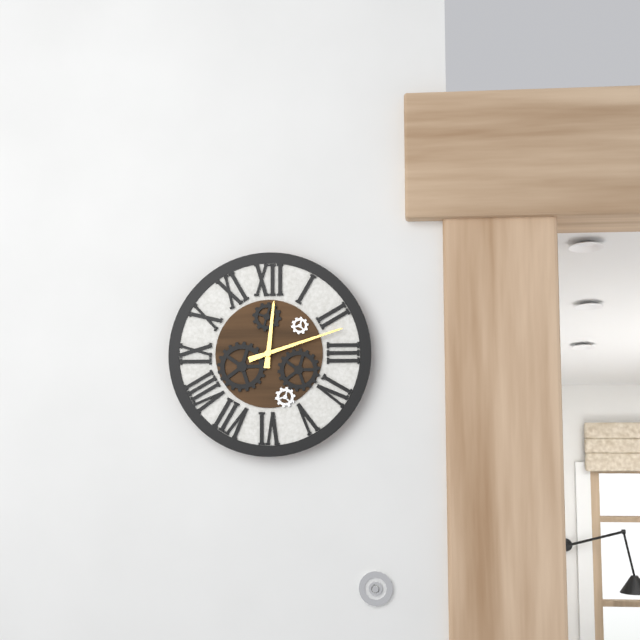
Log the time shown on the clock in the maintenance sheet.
12:12
